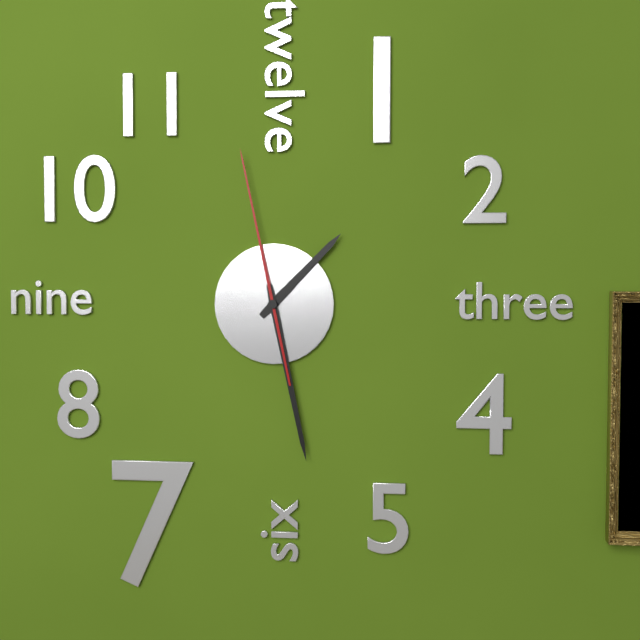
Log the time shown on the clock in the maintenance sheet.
1:28:58
